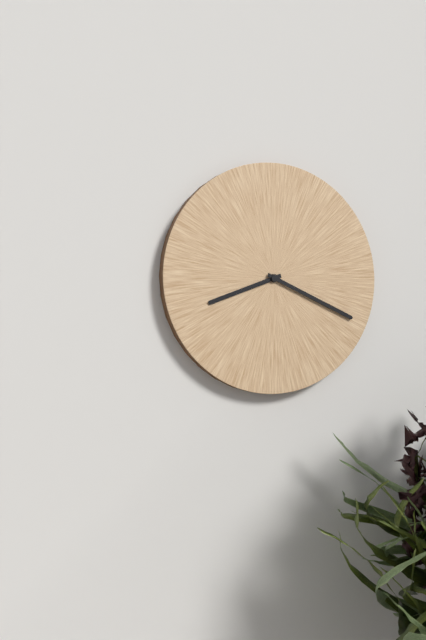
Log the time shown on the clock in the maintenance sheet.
8:19
